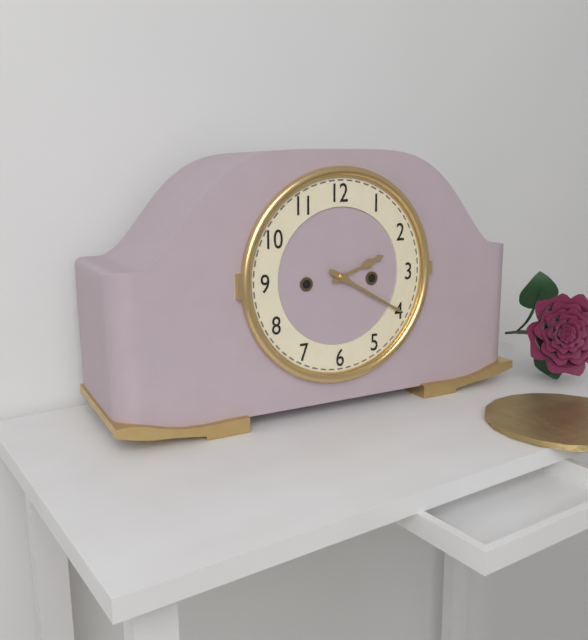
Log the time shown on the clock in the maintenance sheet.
2:20
